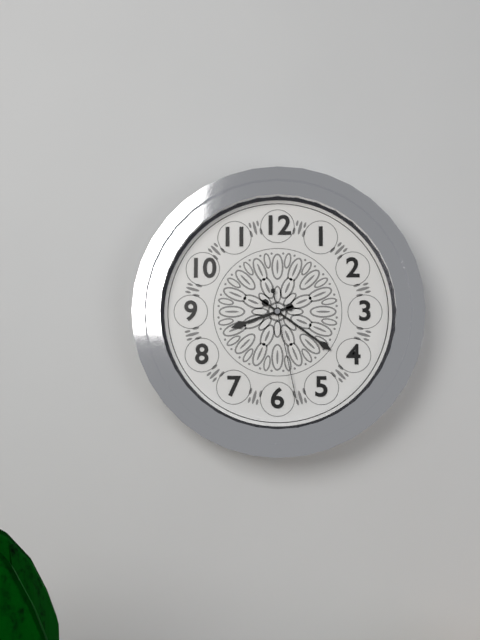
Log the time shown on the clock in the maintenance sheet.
8:21:28
